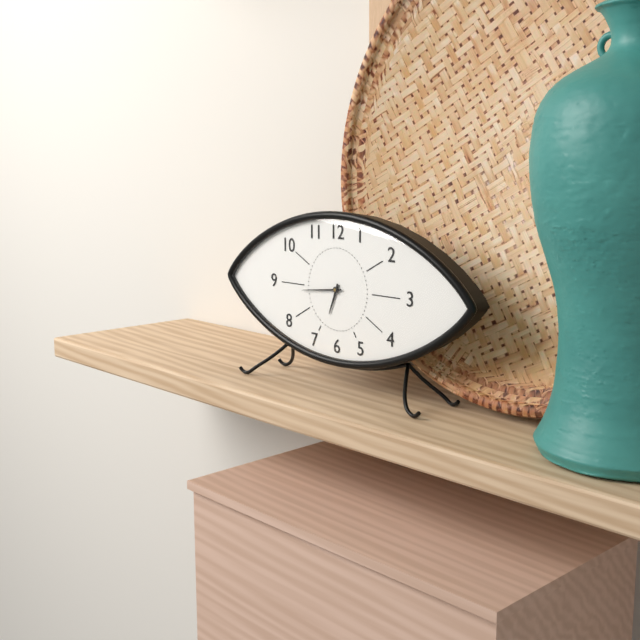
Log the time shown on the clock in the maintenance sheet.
6:44
